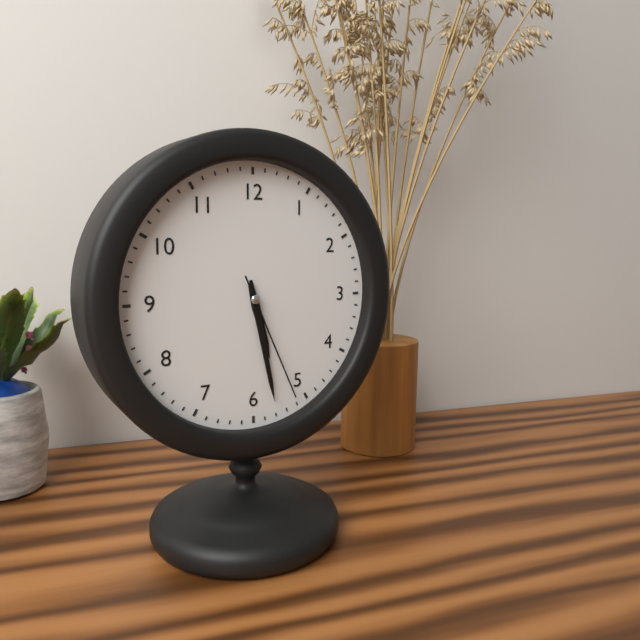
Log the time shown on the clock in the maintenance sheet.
5:28:26
